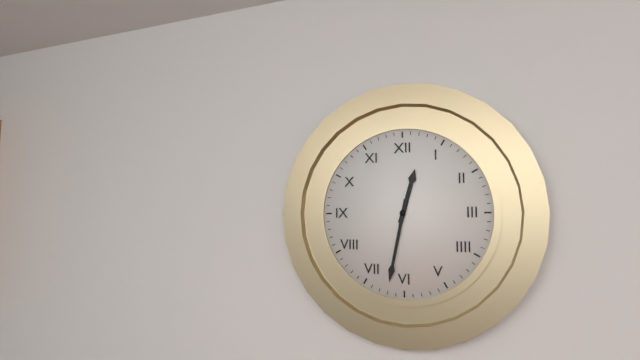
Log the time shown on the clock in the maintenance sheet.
12:32
